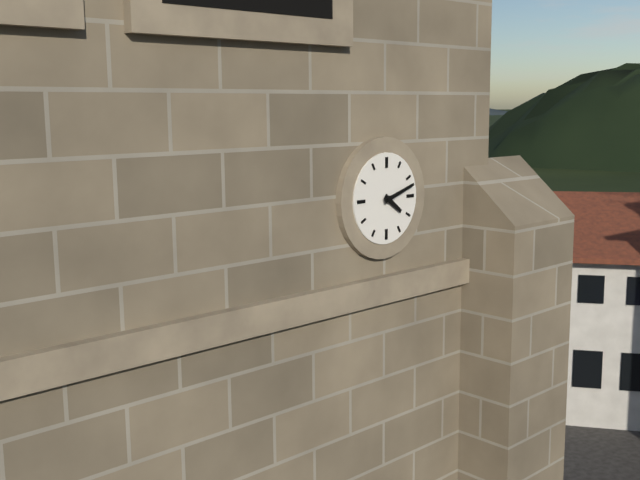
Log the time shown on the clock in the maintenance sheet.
4:12
